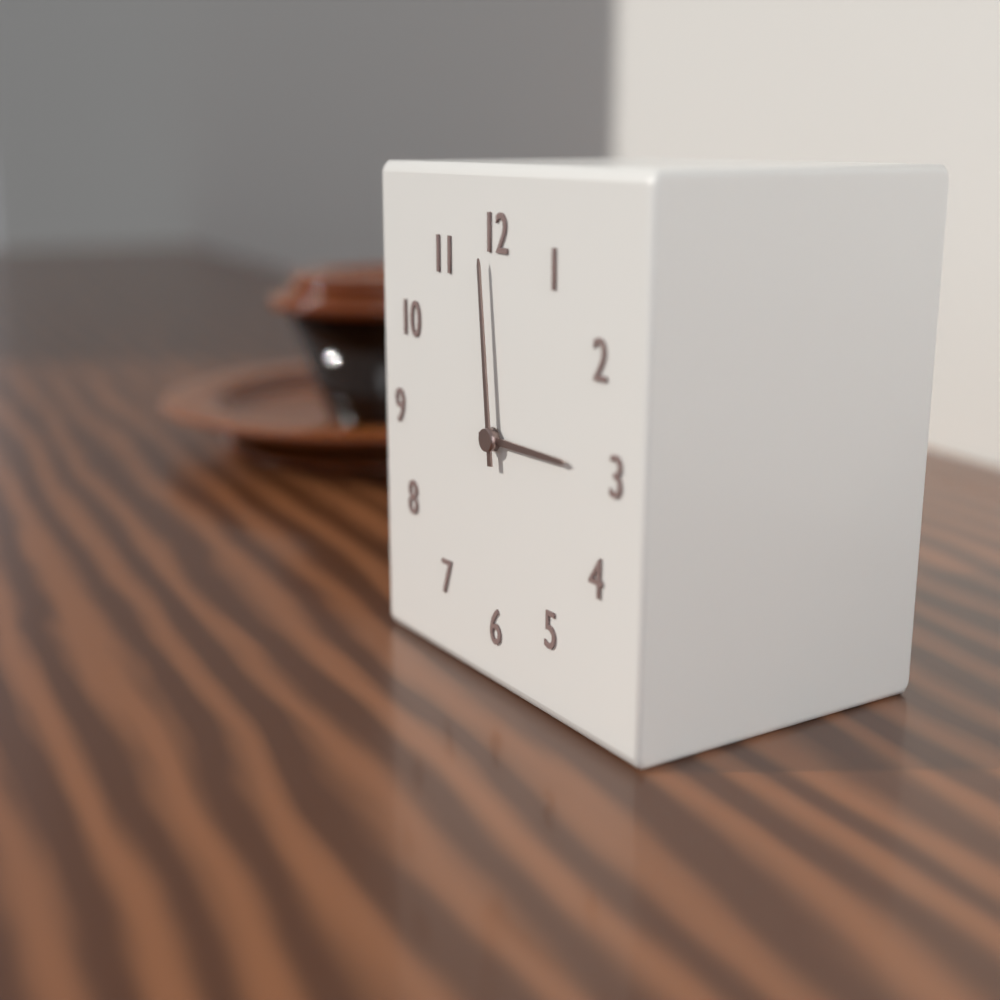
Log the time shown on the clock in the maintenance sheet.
2:59
